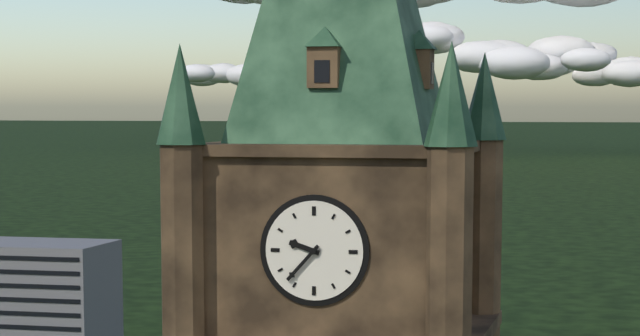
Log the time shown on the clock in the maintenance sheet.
9:37
